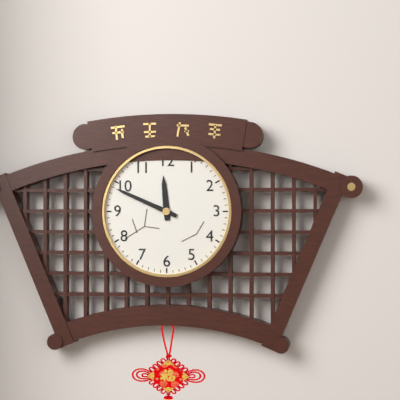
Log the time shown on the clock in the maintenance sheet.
11:49
